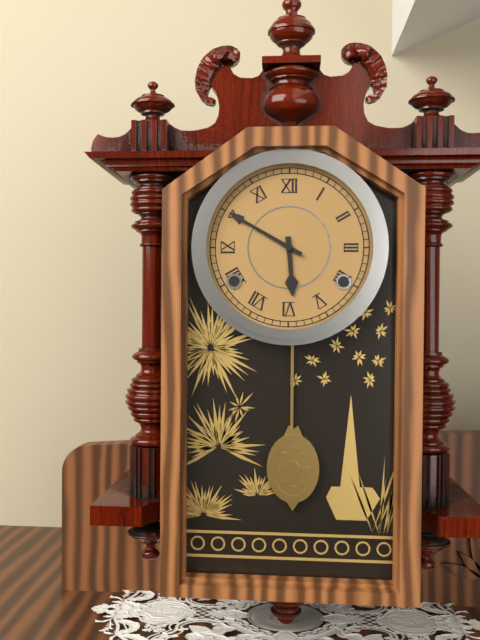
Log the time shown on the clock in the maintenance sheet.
5:50
